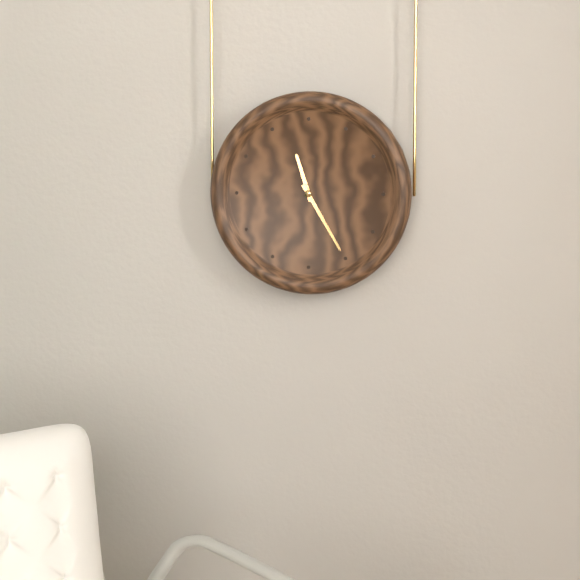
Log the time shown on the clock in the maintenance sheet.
11:25
